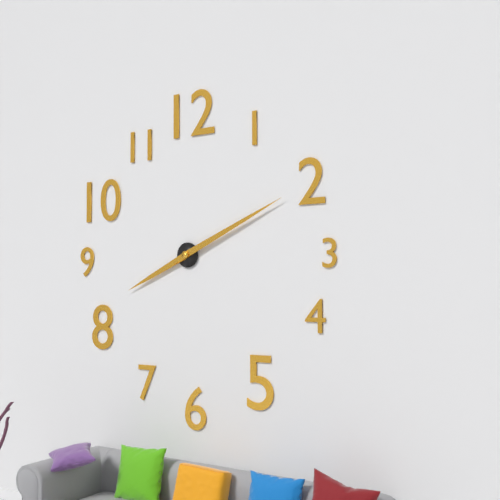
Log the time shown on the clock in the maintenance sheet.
8:11
